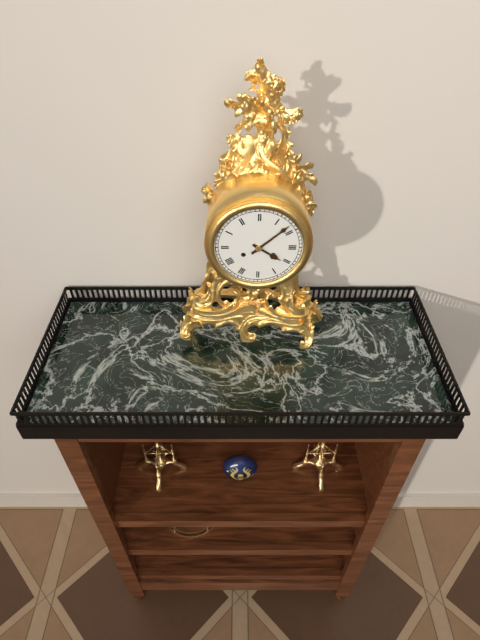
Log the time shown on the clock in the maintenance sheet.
4:08
